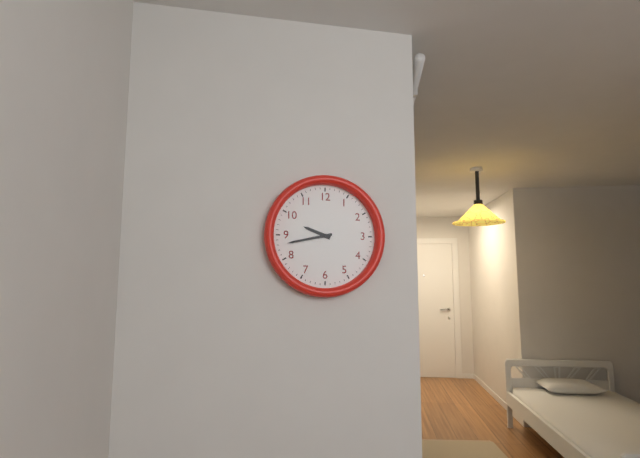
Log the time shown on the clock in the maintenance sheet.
9:43
